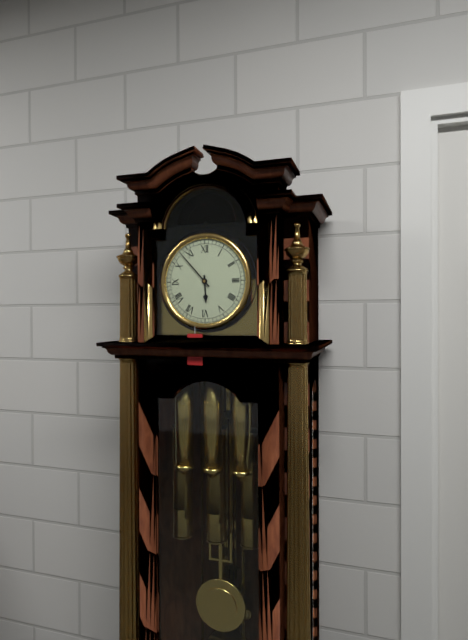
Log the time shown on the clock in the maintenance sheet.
5:53
